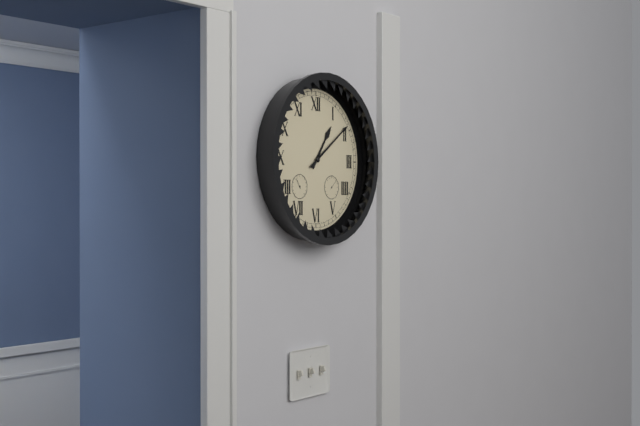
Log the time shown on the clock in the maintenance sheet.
1:09
